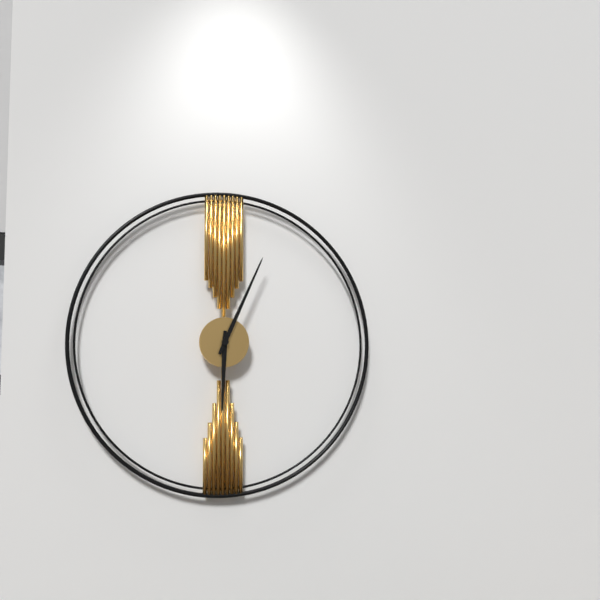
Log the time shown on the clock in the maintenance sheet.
6:04
